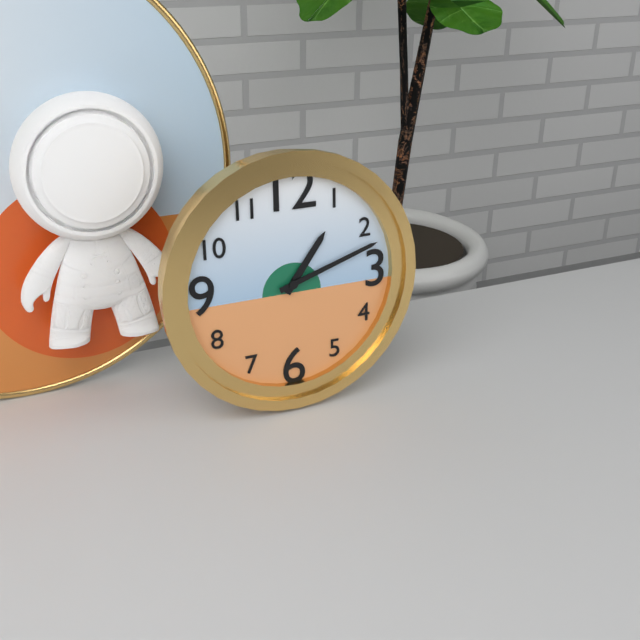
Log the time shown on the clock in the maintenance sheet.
1:12
